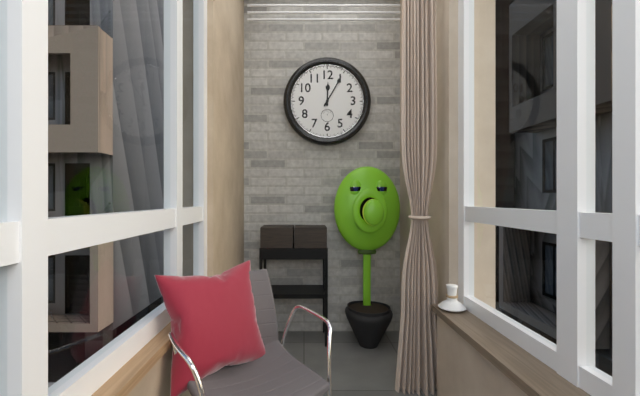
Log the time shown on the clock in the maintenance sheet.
12:05
